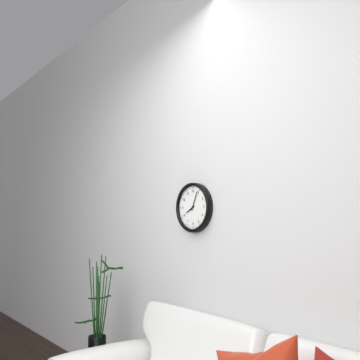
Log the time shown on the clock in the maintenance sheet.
8:04
